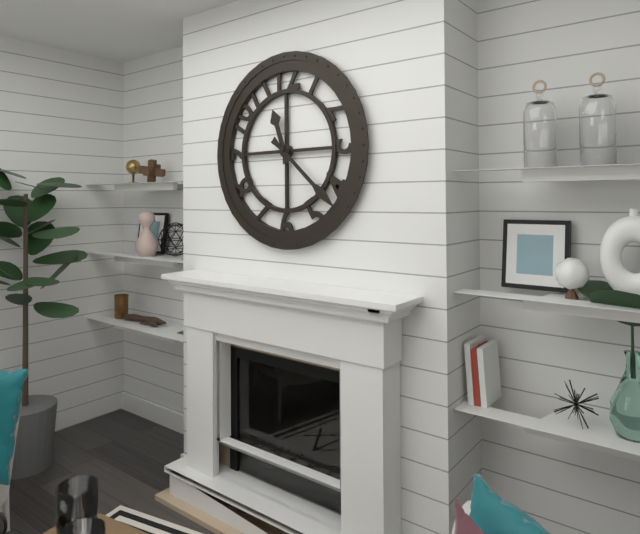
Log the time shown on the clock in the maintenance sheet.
11:22
